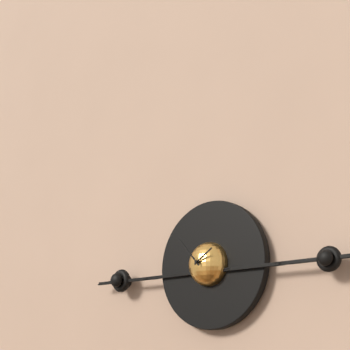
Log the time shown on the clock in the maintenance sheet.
1:53
